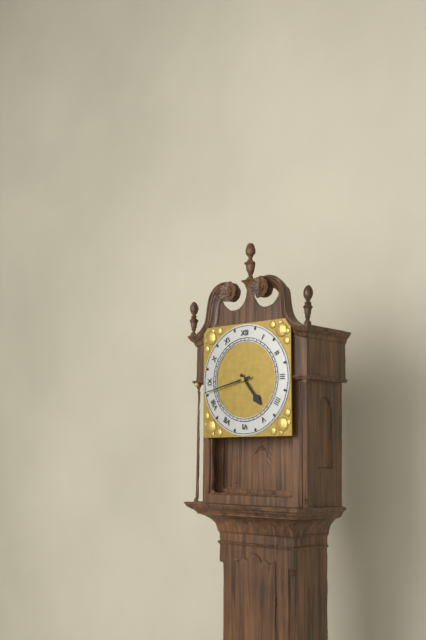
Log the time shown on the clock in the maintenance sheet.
4:43
